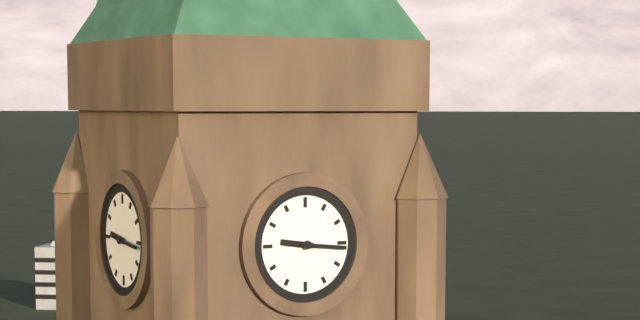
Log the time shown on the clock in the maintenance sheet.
9:16
